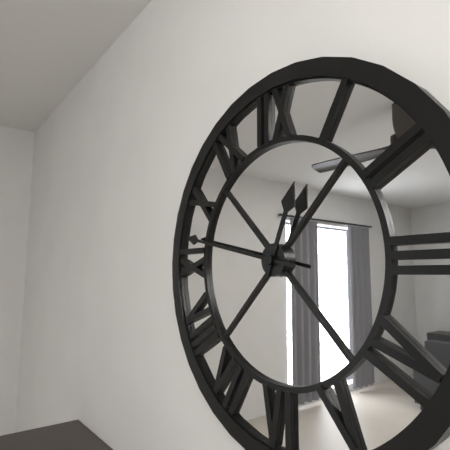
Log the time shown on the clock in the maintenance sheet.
12:47
